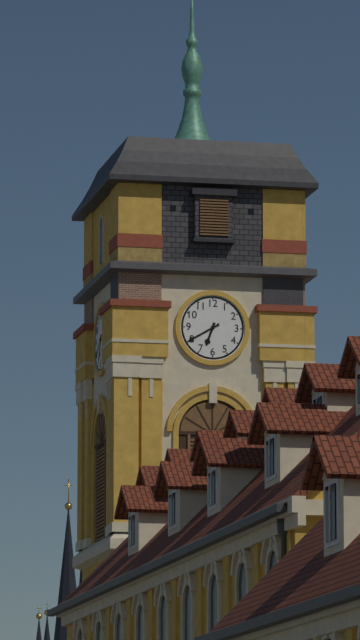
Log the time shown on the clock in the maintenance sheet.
6:40
